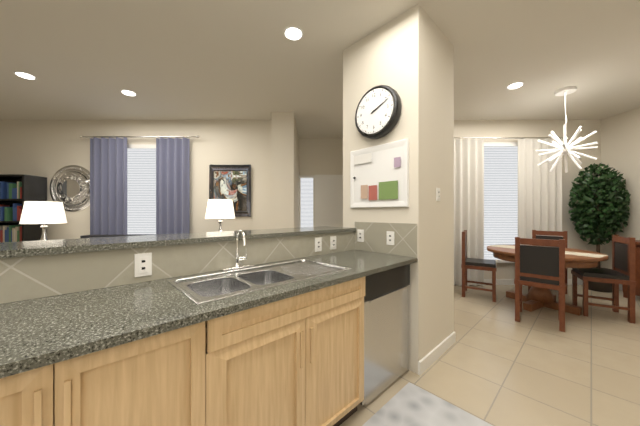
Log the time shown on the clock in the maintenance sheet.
2:11
